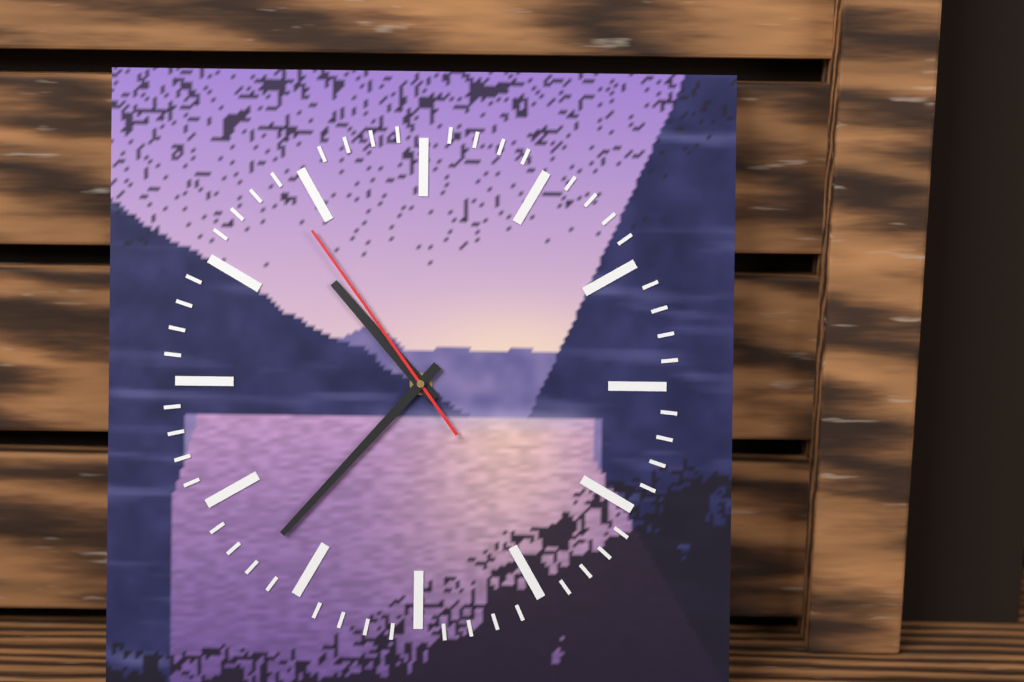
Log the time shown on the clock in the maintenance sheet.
10:37:54
